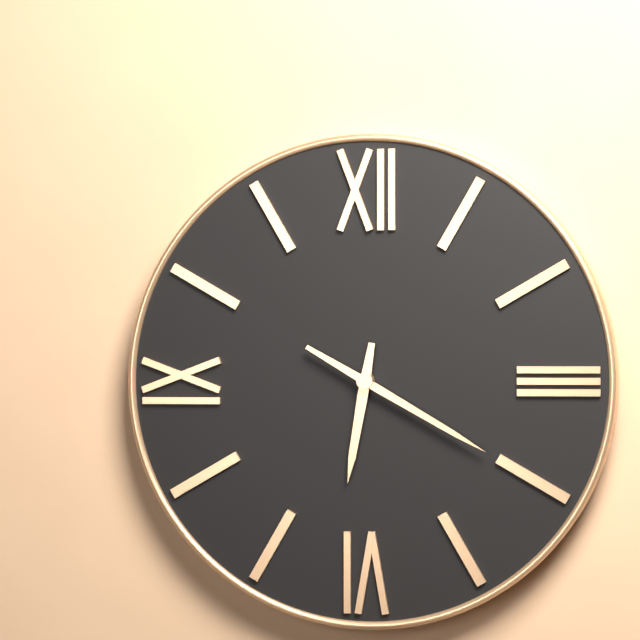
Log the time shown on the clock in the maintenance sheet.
6:20
